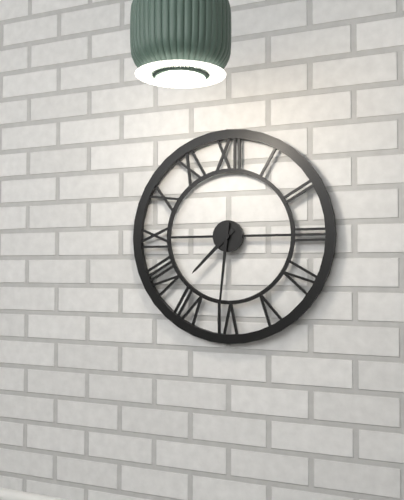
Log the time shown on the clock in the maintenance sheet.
7:31
